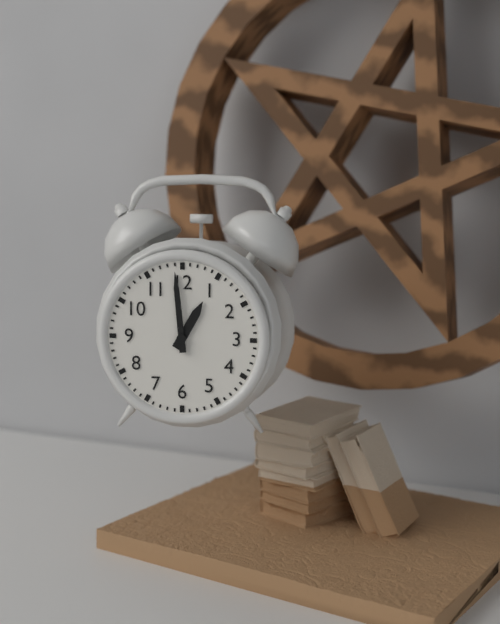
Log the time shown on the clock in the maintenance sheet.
12:59
